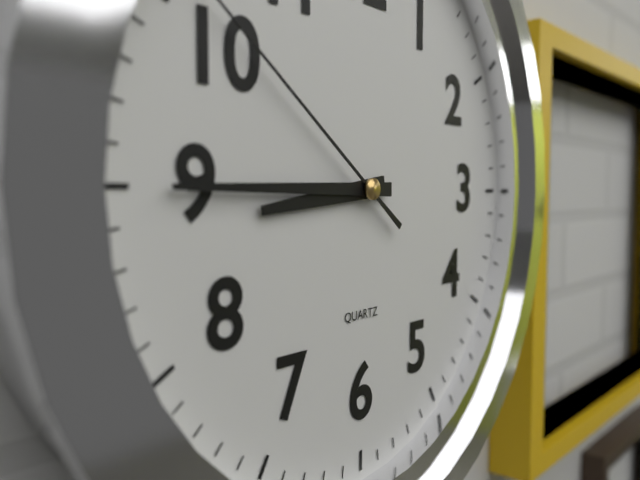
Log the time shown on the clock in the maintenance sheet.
8:45
